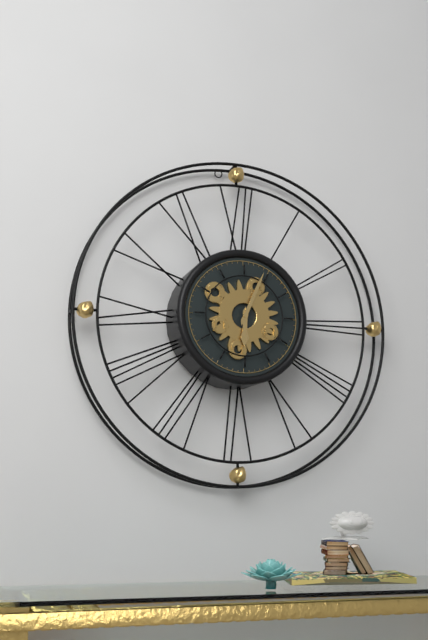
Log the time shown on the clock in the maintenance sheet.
6:04
